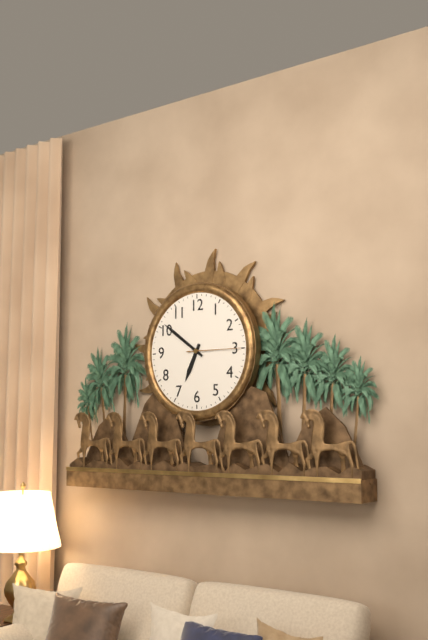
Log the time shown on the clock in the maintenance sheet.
6:51:15
